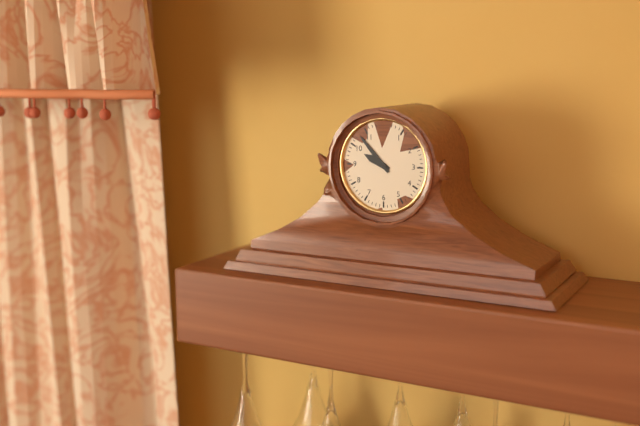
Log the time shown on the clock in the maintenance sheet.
9:53
